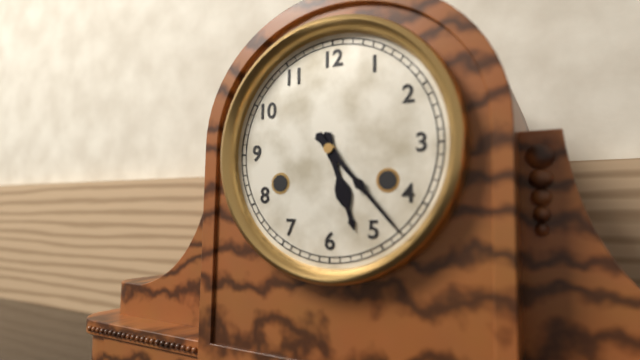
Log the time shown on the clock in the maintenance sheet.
5:23
